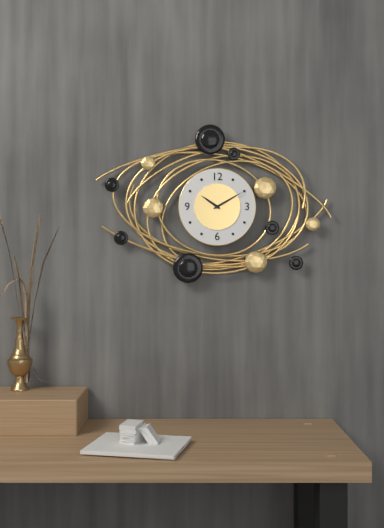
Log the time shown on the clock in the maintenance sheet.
10:10
